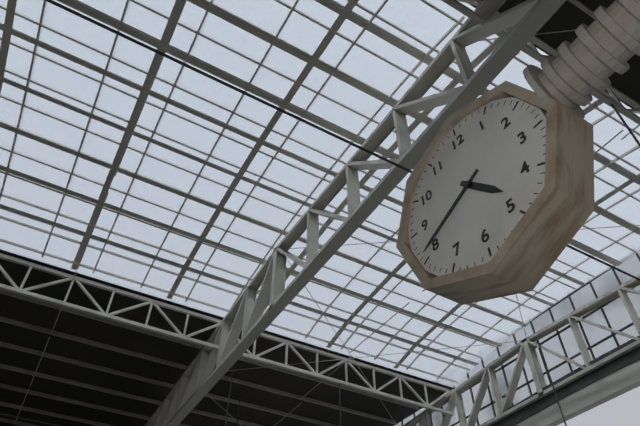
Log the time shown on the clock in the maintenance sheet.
4:41
